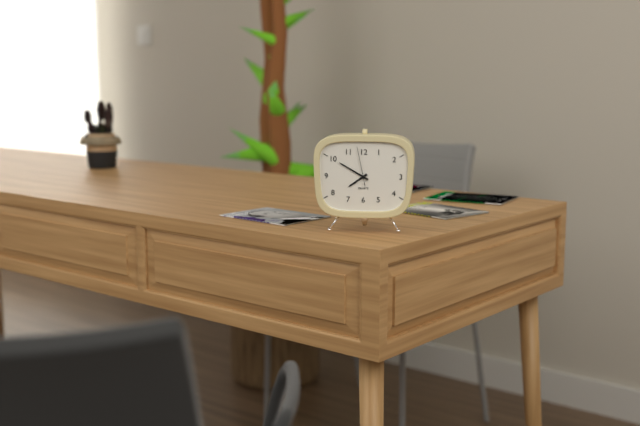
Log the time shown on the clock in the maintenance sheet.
7:50
